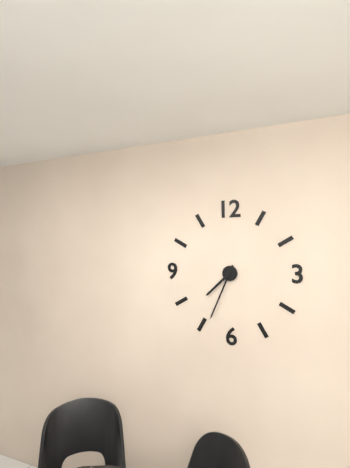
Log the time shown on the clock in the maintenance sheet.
7:34
